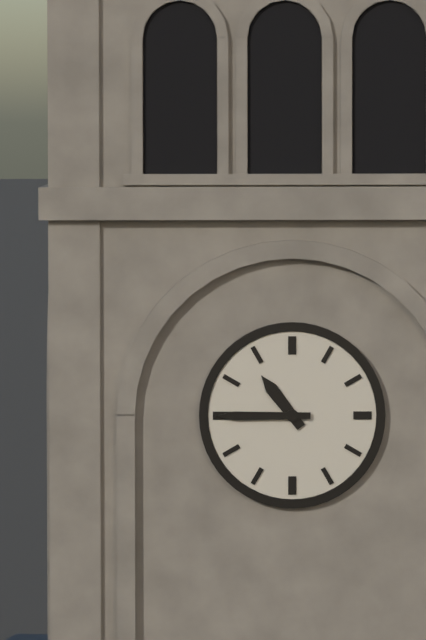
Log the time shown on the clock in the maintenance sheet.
10:45
